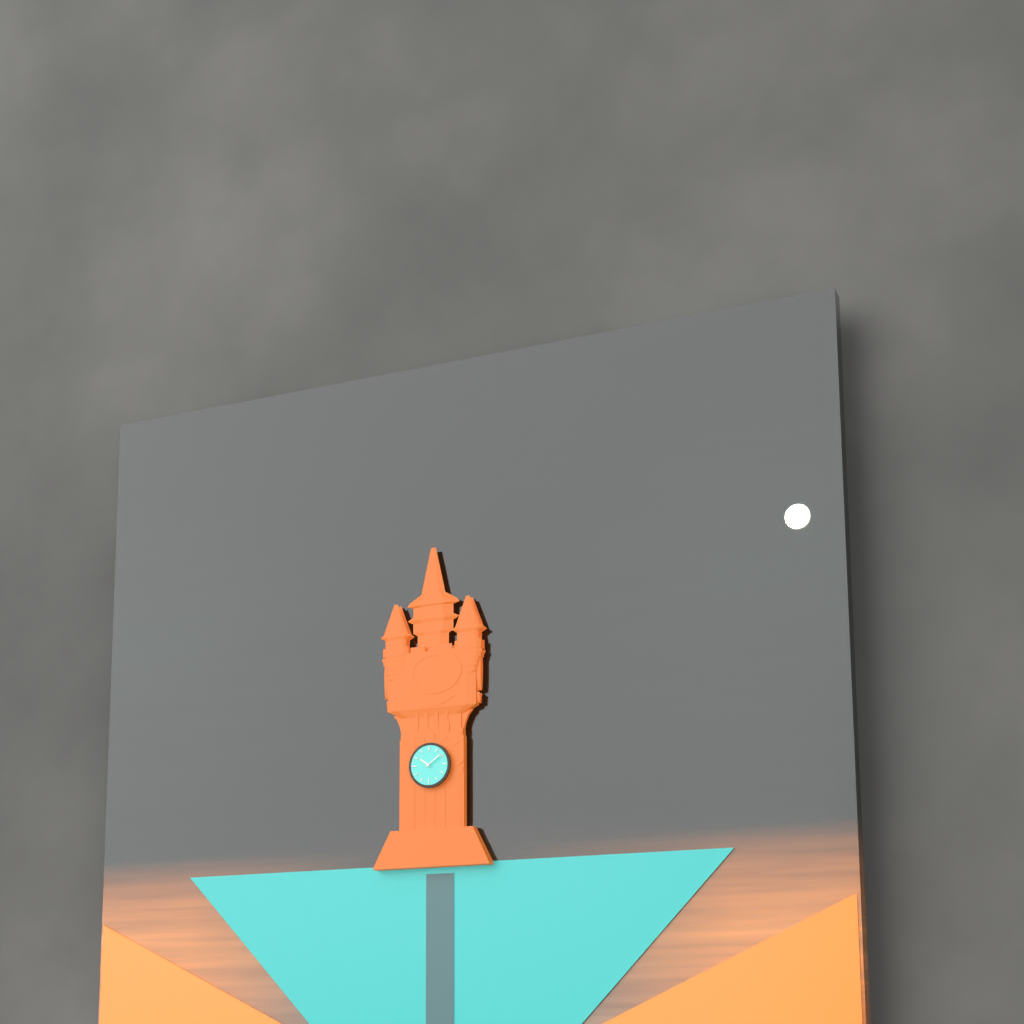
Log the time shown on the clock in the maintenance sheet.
10:09
